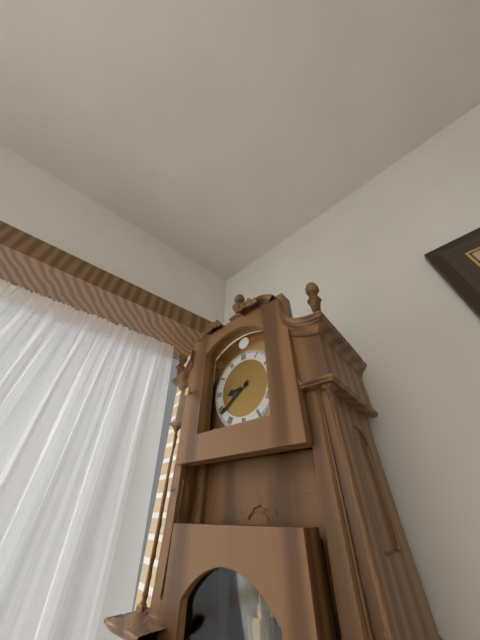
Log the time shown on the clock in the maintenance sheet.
8:39
